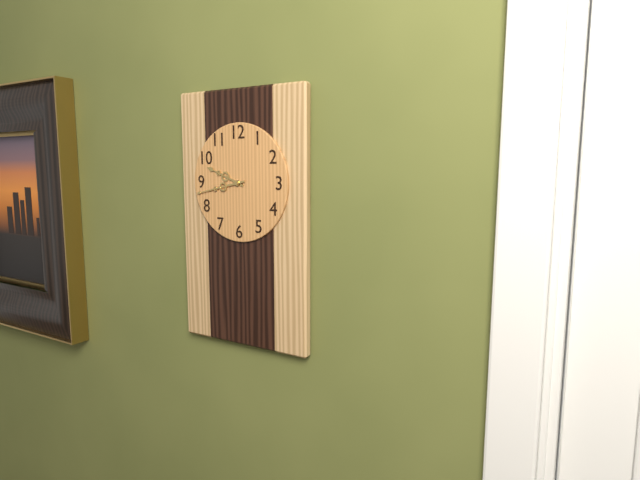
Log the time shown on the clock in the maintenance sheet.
9:43
